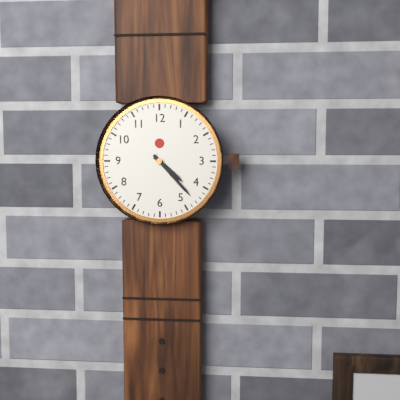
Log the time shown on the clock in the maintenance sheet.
4:23
